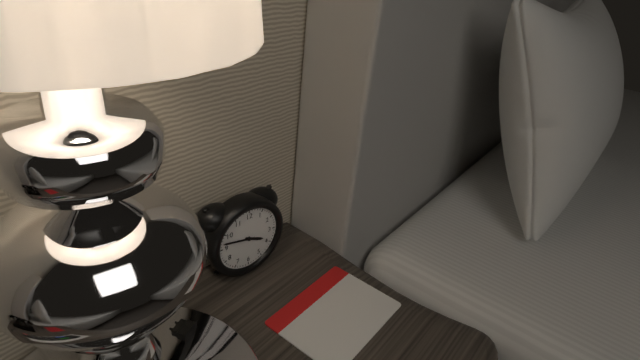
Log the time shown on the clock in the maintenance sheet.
3:47
